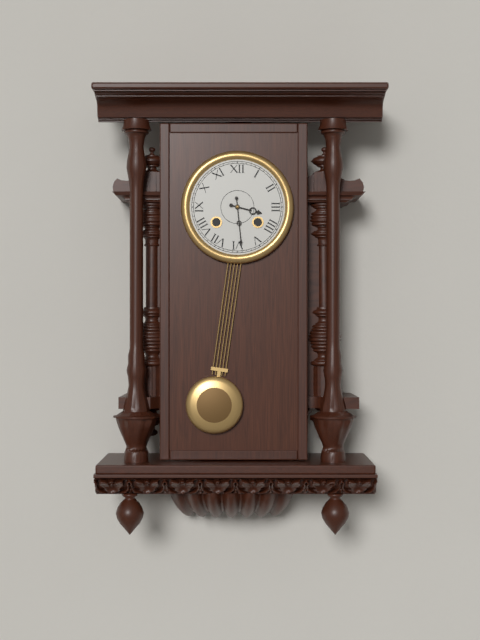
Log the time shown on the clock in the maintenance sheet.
3:29
